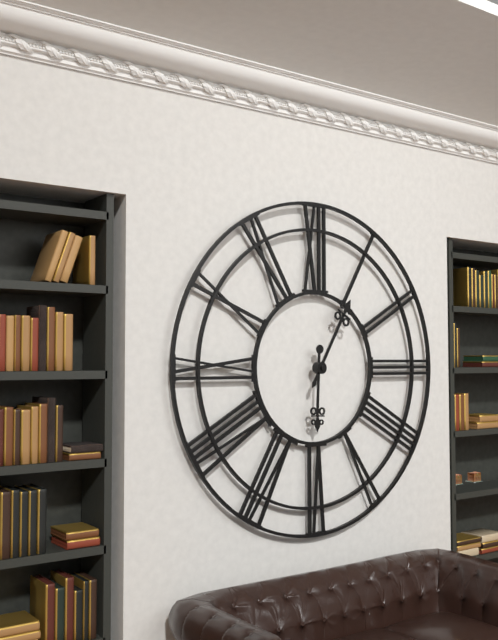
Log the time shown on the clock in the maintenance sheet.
6:05
